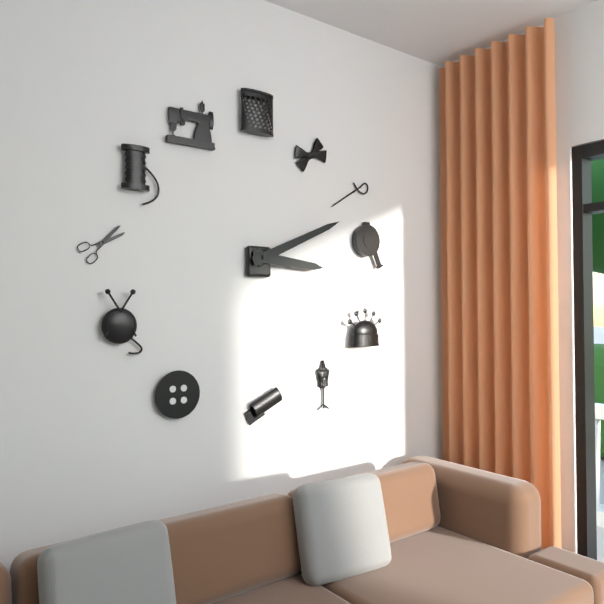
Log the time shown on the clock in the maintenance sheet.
3:11
